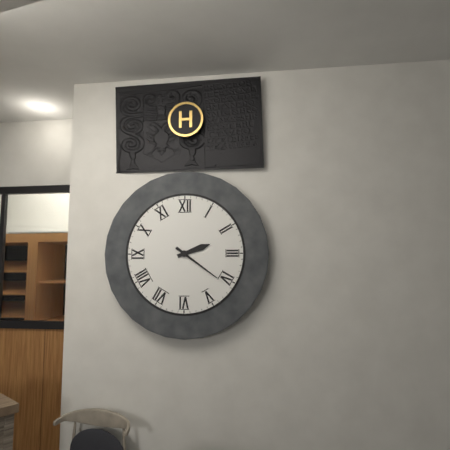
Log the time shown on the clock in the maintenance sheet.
2:21
